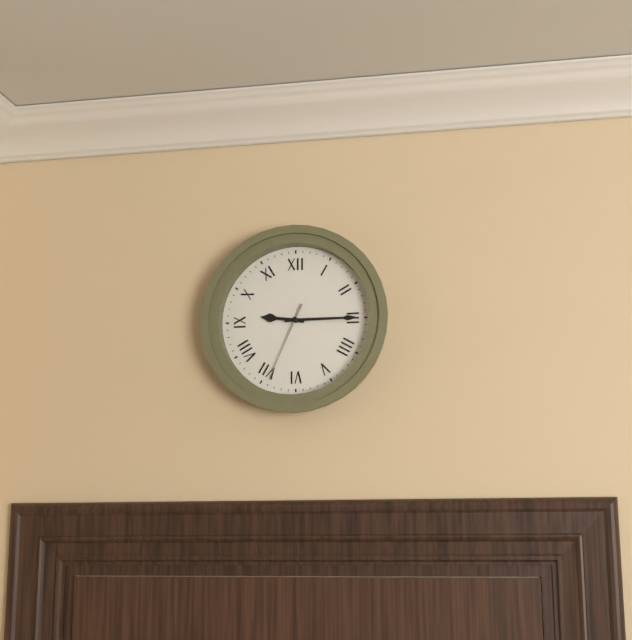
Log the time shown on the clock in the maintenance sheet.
9:15:34
